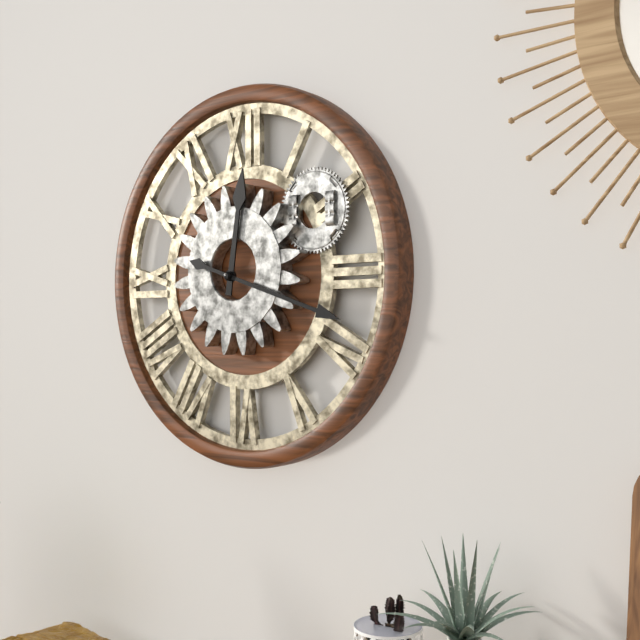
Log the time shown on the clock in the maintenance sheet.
12:18
